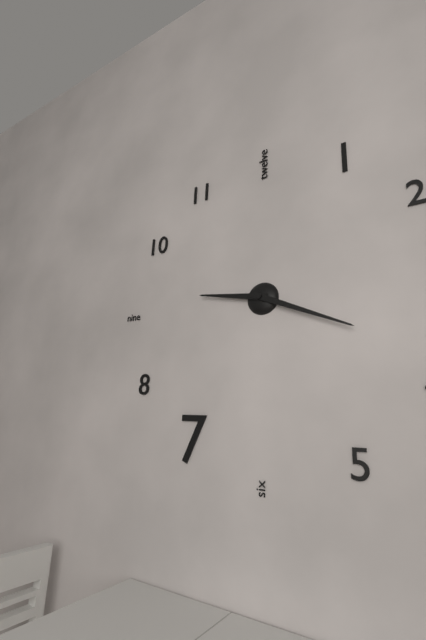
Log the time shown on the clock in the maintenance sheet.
9:19
